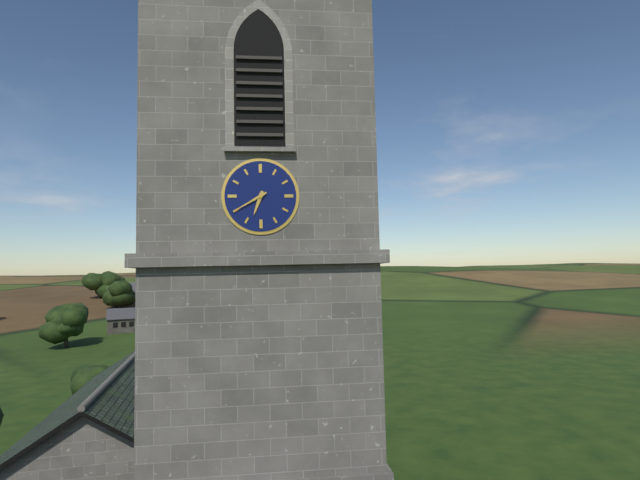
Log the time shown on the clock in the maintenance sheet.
6:40
